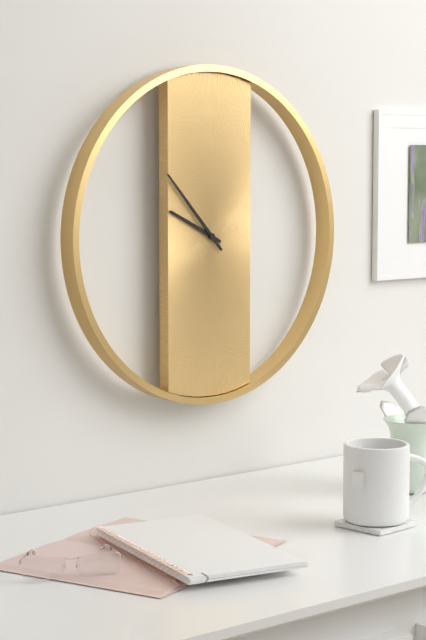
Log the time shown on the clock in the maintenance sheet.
9:53
